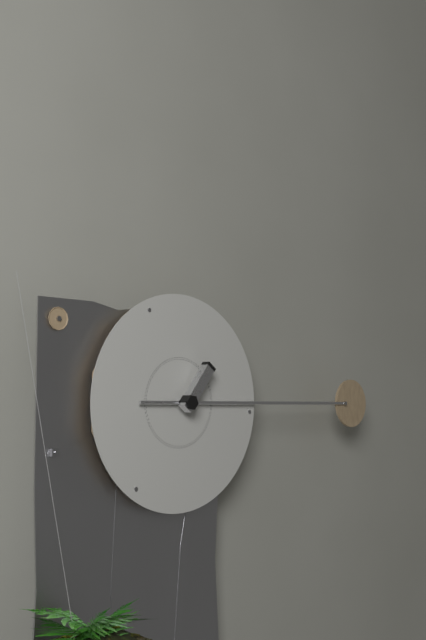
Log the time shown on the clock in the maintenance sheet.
1:15
